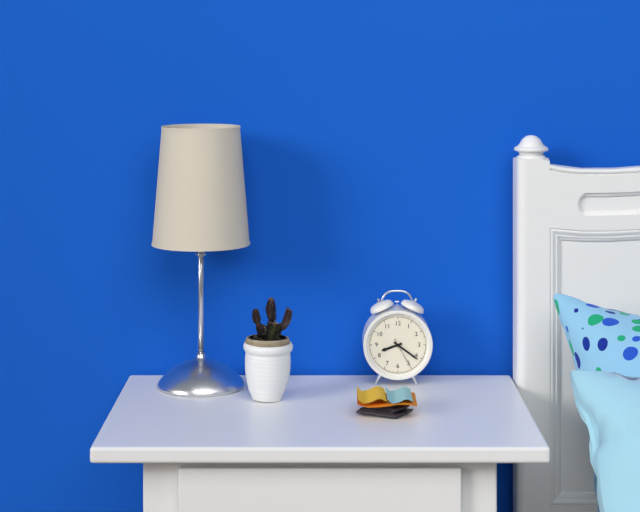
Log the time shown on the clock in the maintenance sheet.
8:21
